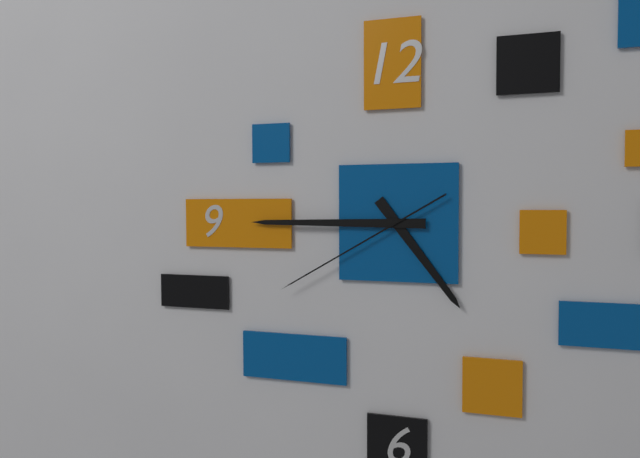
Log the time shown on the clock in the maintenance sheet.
4:45:40
